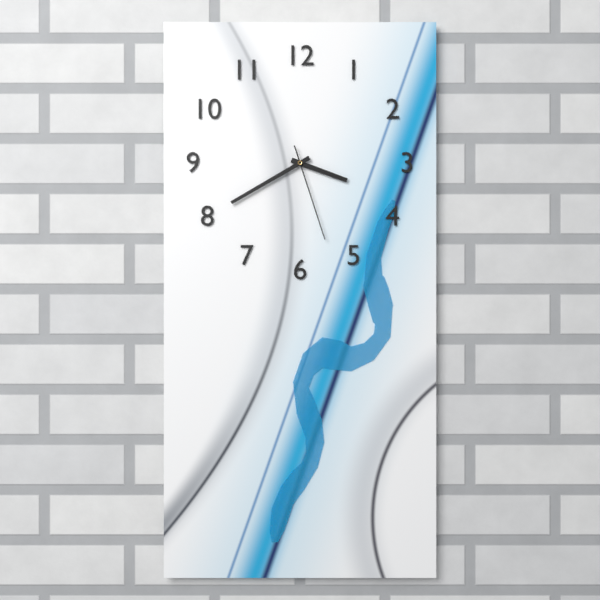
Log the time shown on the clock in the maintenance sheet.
3:40:27
